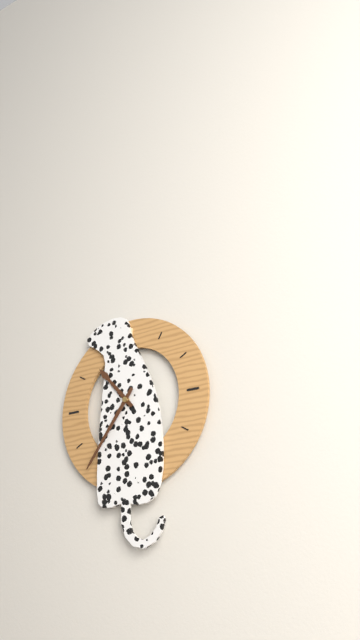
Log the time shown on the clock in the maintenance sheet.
10:36
